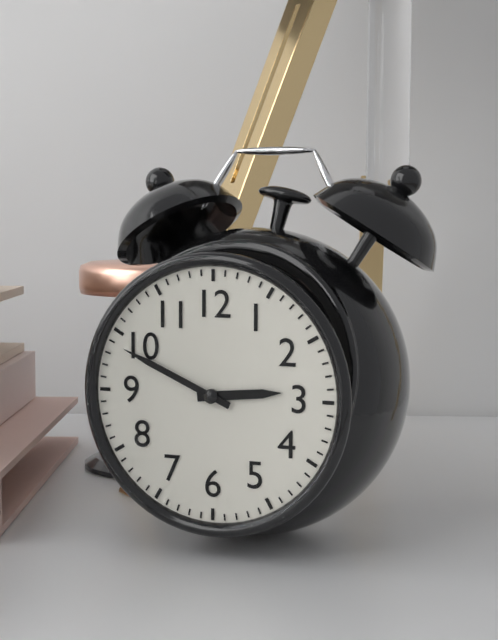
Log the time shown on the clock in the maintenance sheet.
2:49
